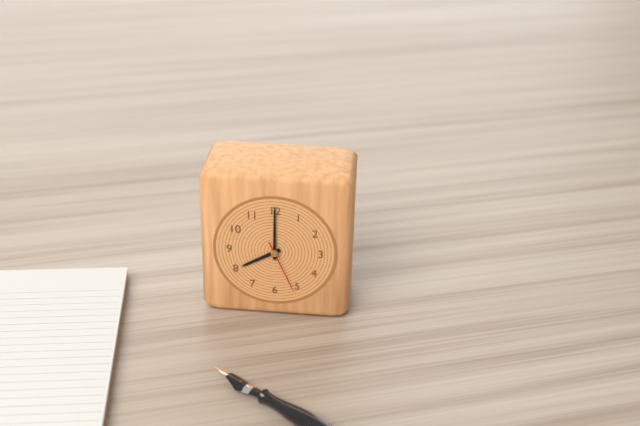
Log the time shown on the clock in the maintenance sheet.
8:00:26
